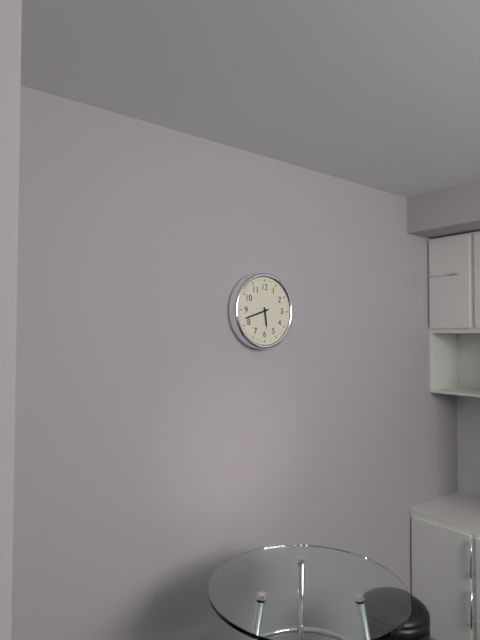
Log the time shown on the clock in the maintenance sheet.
5:42
